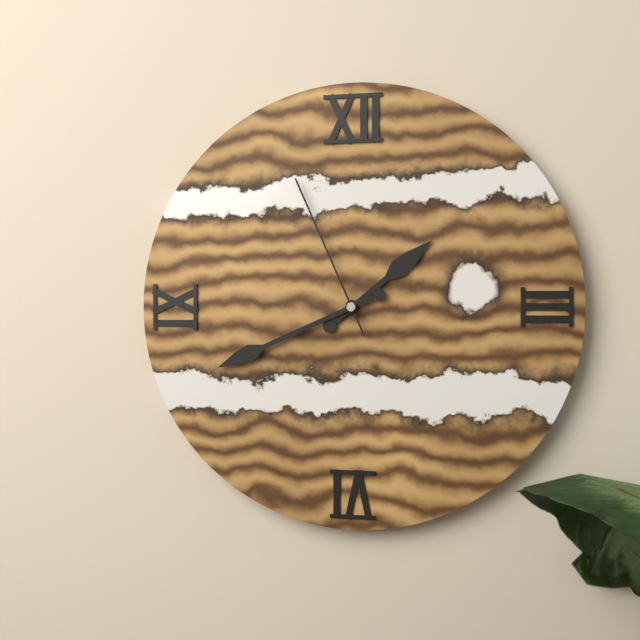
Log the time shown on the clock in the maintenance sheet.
1:41:56
